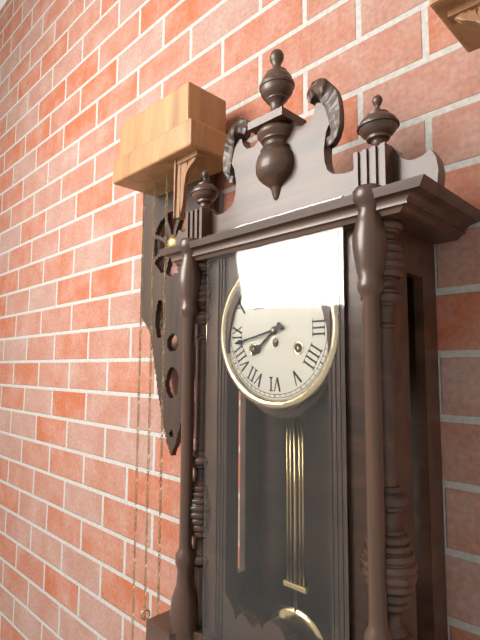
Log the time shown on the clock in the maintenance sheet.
7:43
